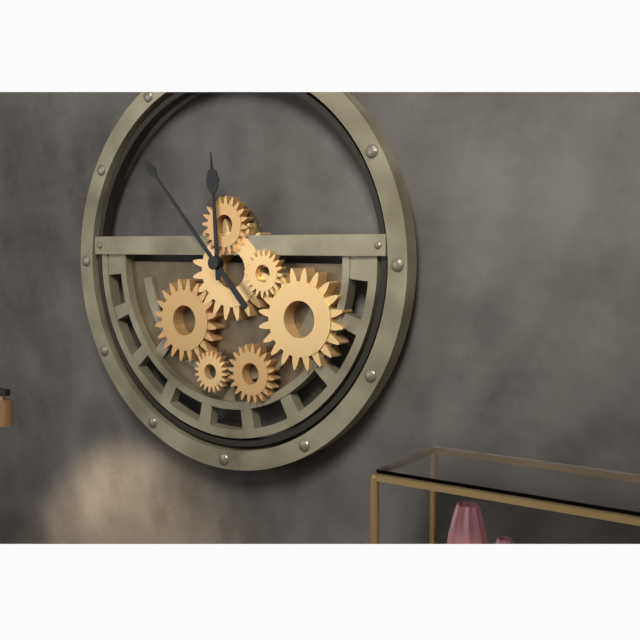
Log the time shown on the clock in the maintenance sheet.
11:53
